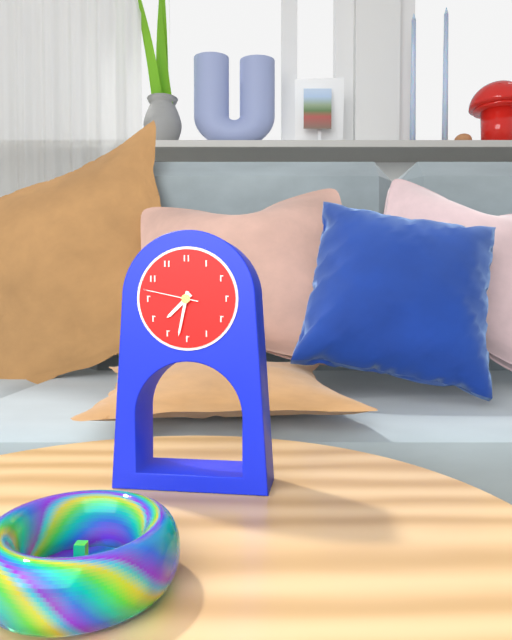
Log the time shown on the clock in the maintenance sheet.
7:32:47
